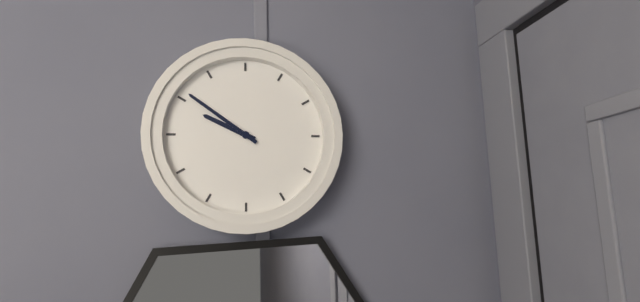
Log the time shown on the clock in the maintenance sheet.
9:51
